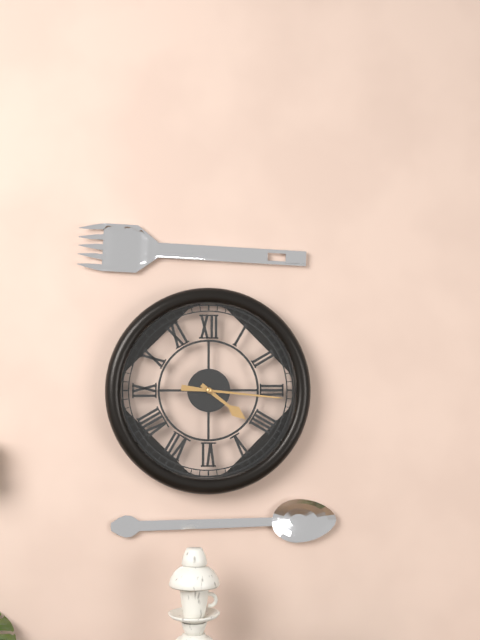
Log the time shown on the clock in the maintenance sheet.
4:16
